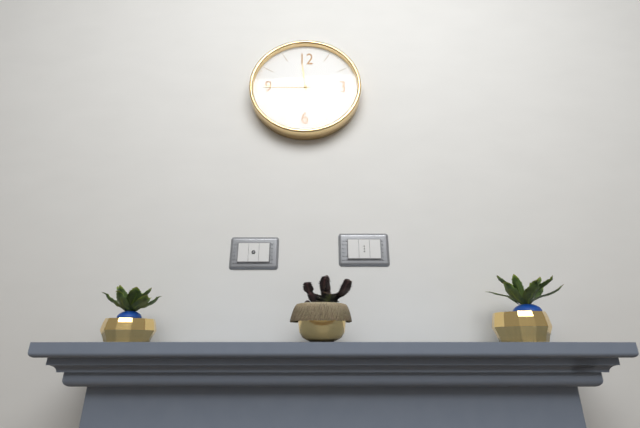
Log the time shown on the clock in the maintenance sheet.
11:45
